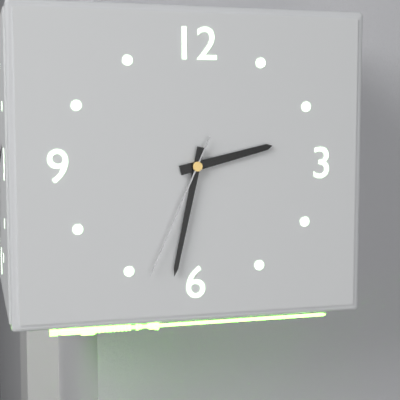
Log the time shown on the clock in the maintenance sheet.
2:32:34
